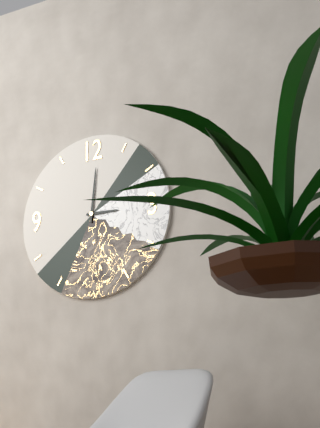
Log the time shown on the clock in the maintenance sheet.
3:01
